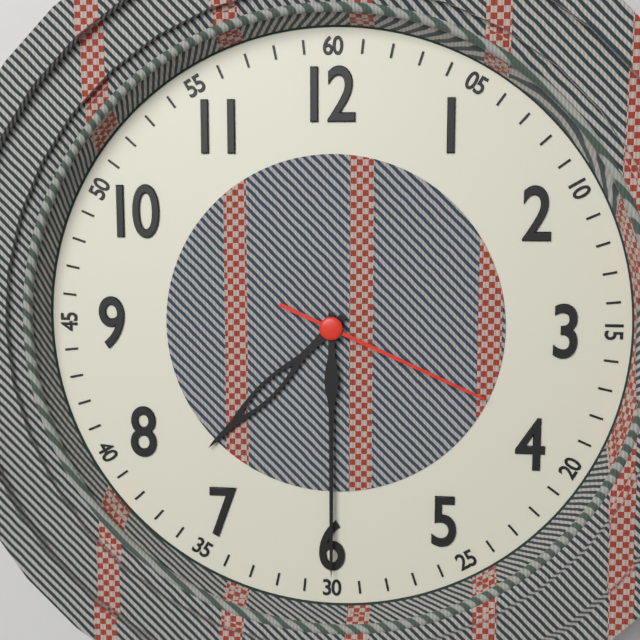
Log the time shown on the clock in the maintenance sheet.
7:30:19
